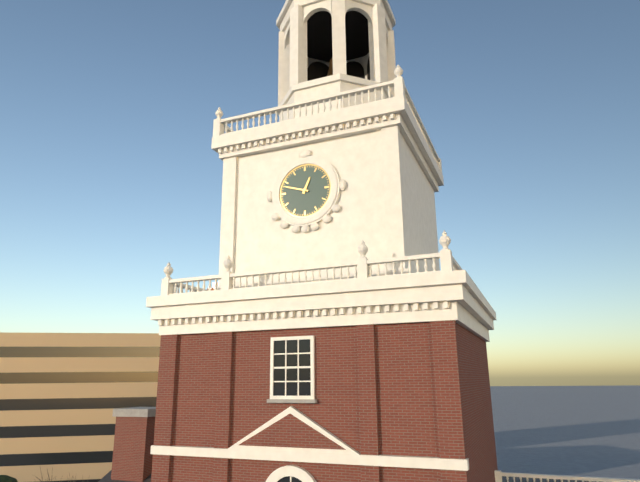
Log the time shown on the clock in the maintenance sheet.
12:48
